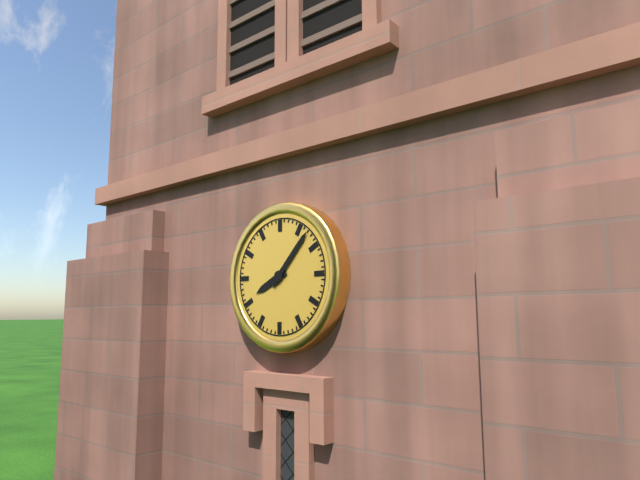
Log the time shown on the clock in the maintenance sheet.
8:07
